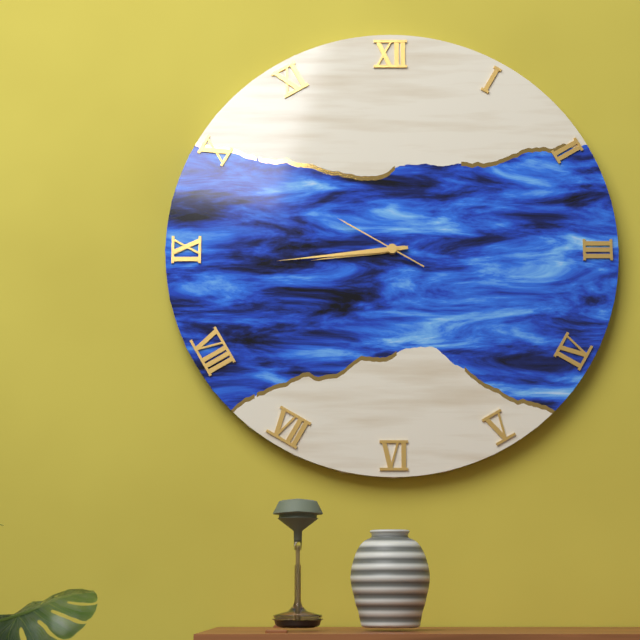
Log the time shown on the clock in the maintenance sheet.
8:44:50
